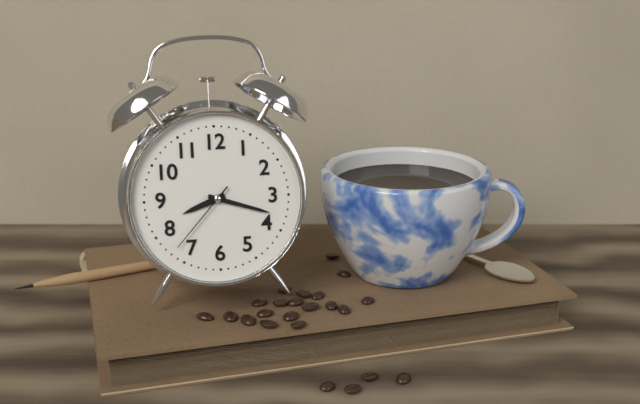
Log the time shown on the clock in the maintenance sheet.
8:18:37
